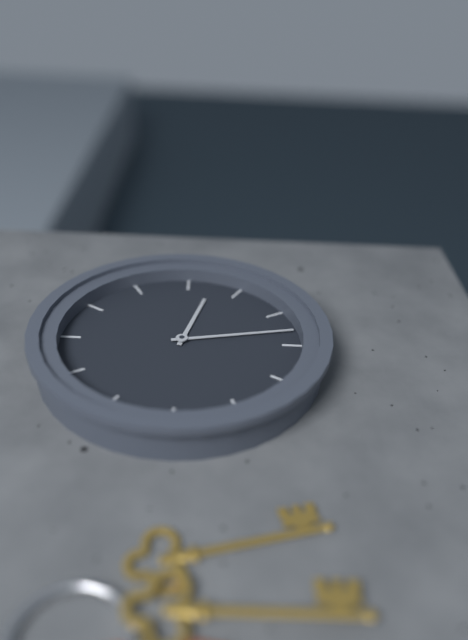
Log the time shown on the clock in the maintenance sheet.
3:28
